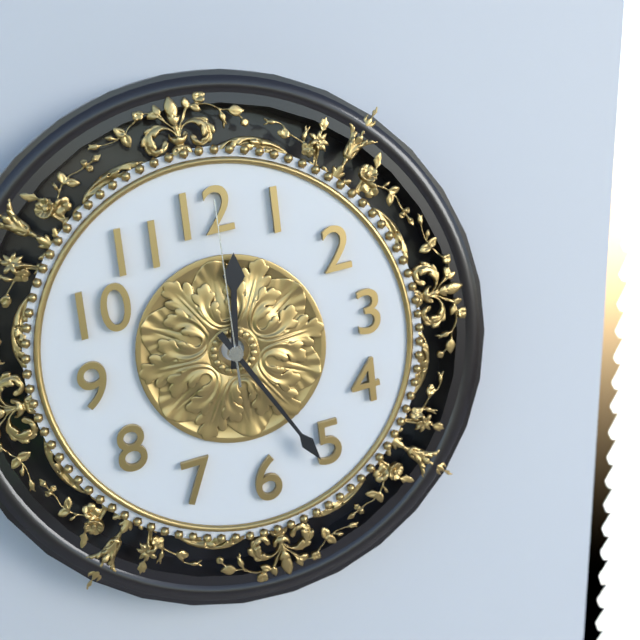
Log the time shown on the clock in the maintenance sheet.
12:26:01
